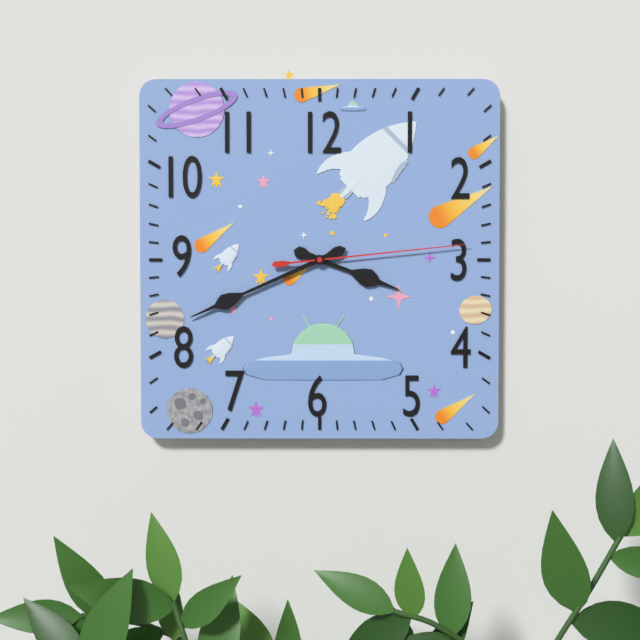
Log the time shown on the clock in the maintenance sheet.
3:41:14
